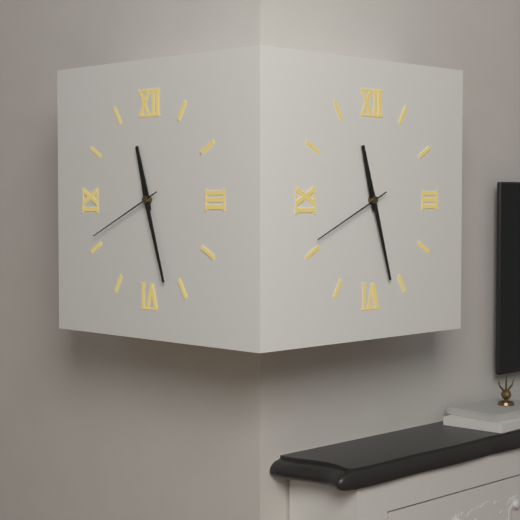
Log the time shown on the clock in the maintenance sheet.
11:27:41
